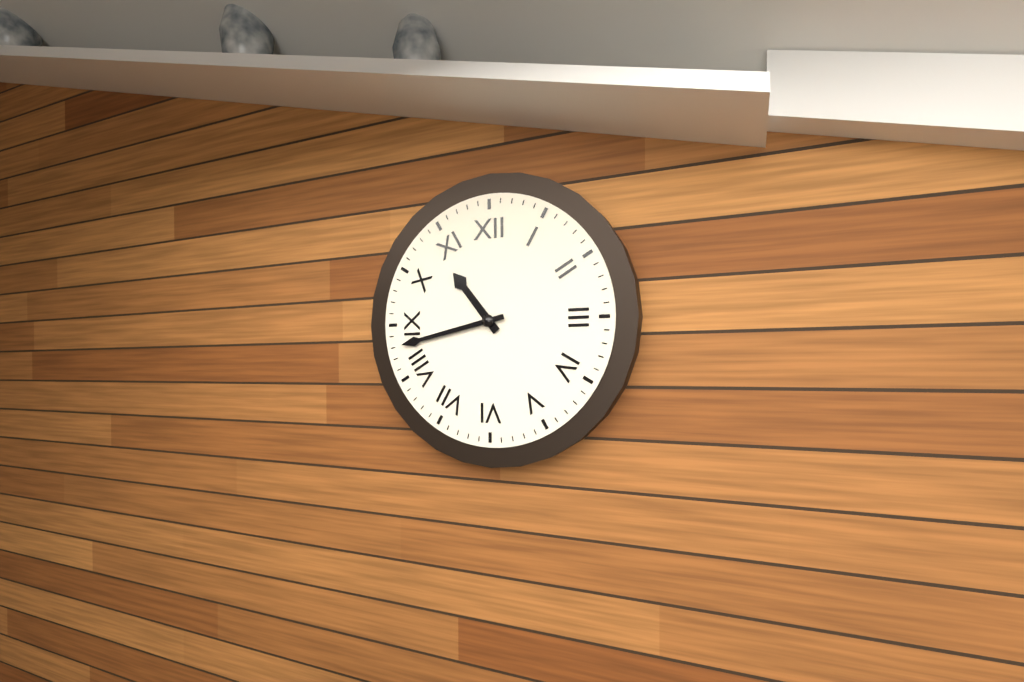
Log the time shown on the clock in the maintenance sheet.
10:43
